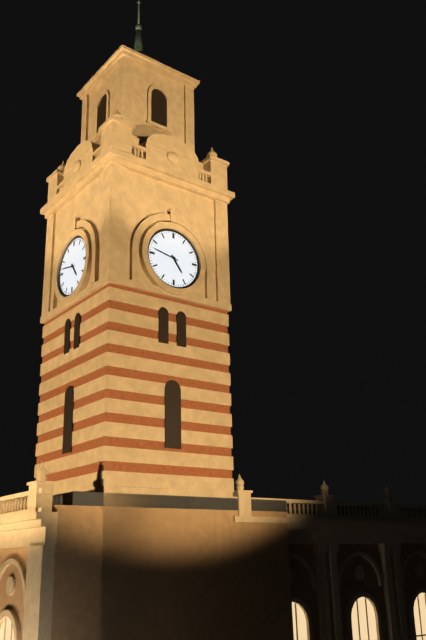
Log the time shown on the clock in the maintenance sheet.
4:47
